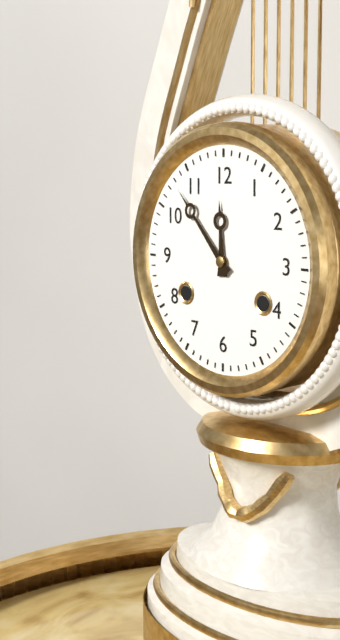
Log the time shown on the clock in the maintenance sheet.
11:53
